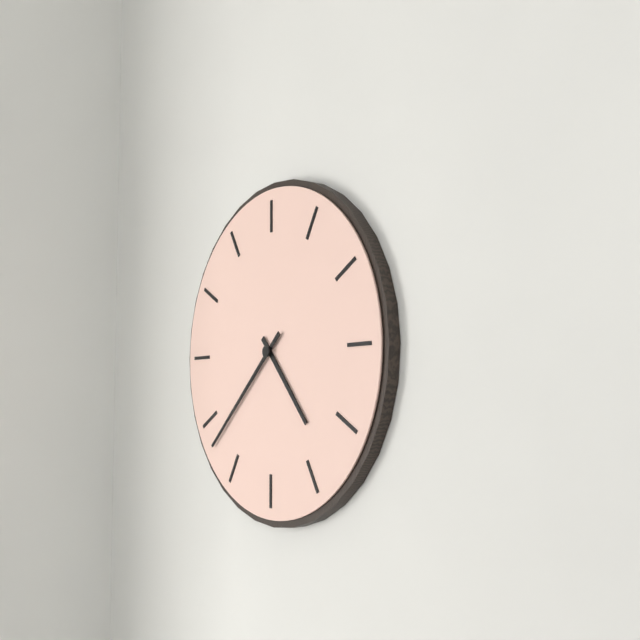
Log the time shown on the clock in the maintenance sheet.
4:38
